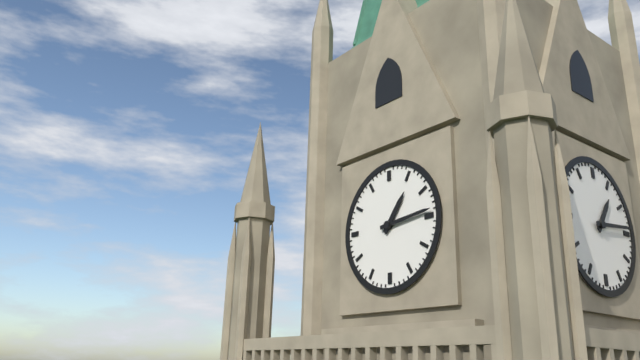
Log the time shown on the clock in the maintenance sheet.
1:14
